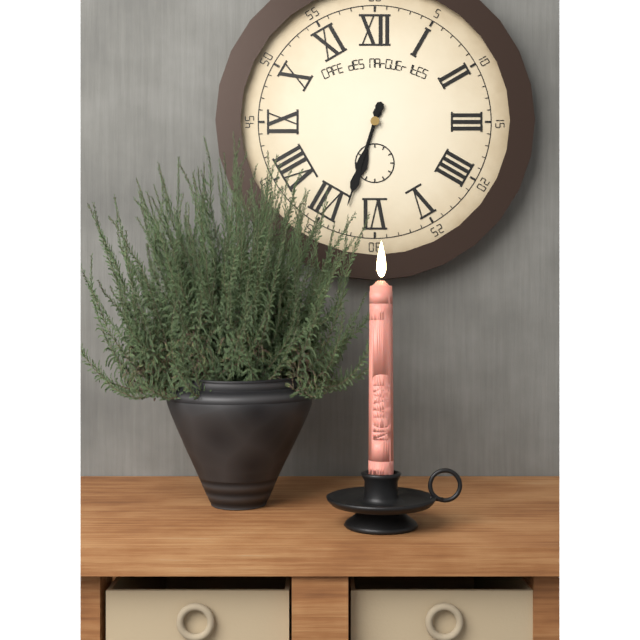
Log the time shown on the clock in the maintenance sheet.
6:33
